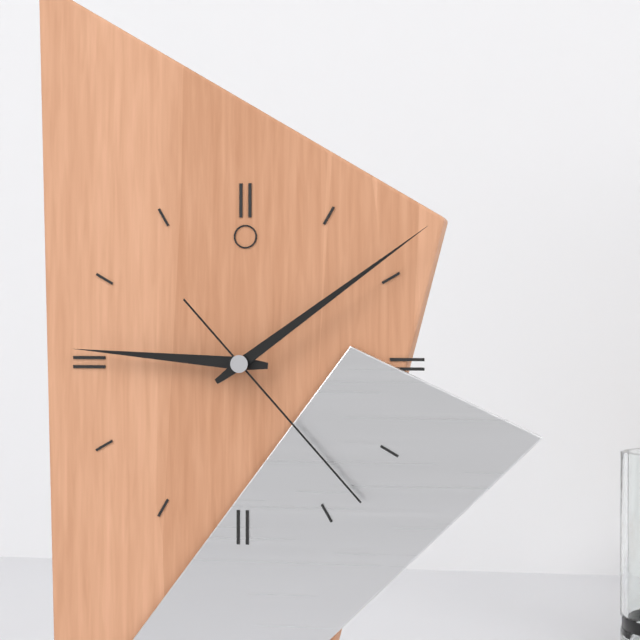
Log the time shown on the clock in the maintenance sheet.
9:09:23
